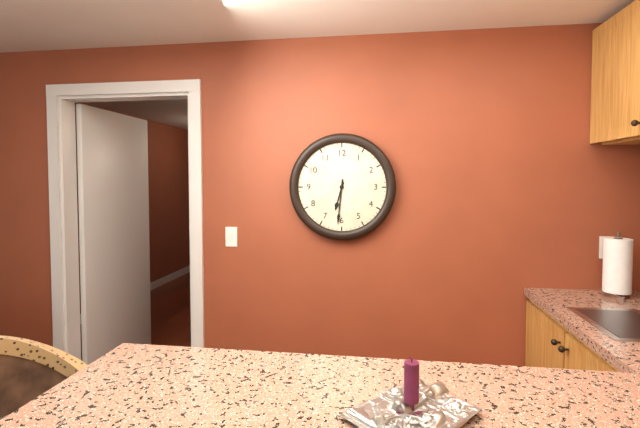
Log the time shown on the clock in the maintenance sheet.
6:31
